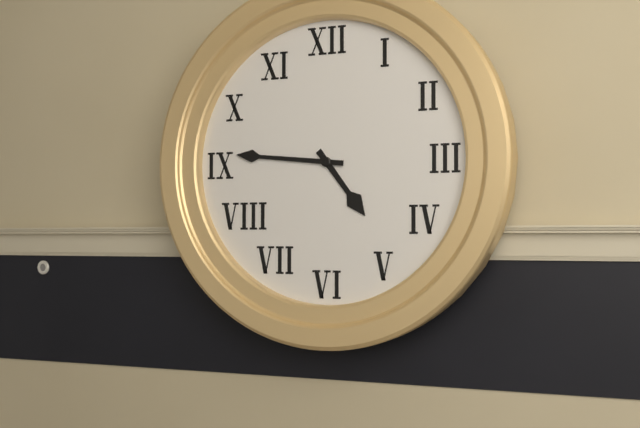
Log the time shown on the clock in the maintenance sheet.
4:46
